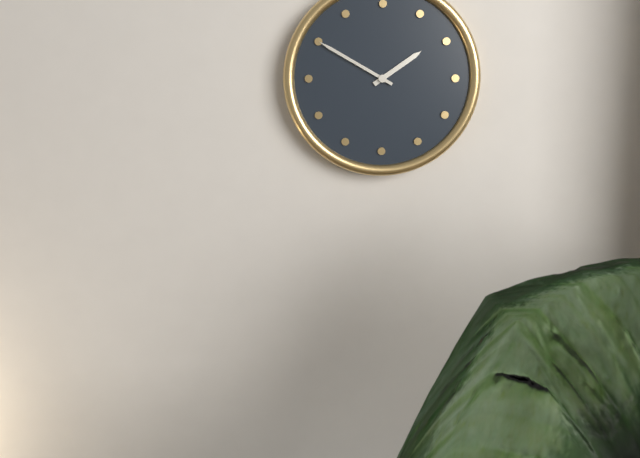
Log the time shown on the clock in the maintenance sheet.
1:50
